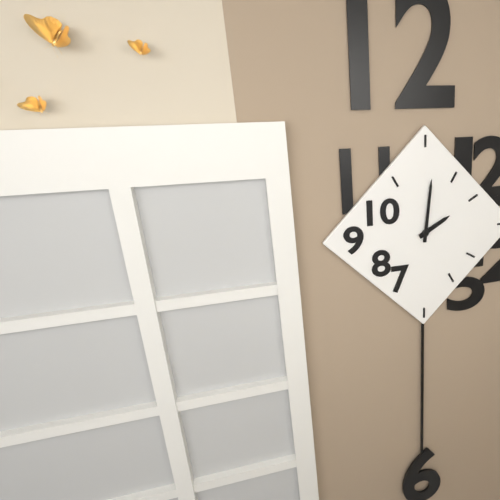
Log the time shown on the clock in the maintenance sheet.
2:01
